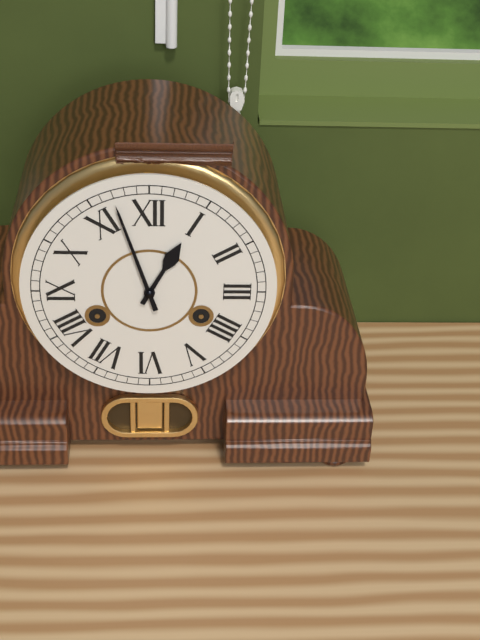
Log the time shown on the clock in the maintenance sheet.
12:57
